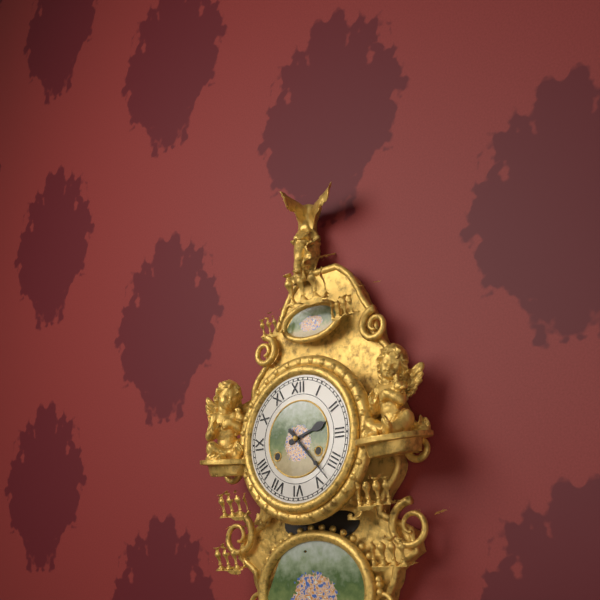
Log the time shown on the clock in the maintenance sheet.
2:23
